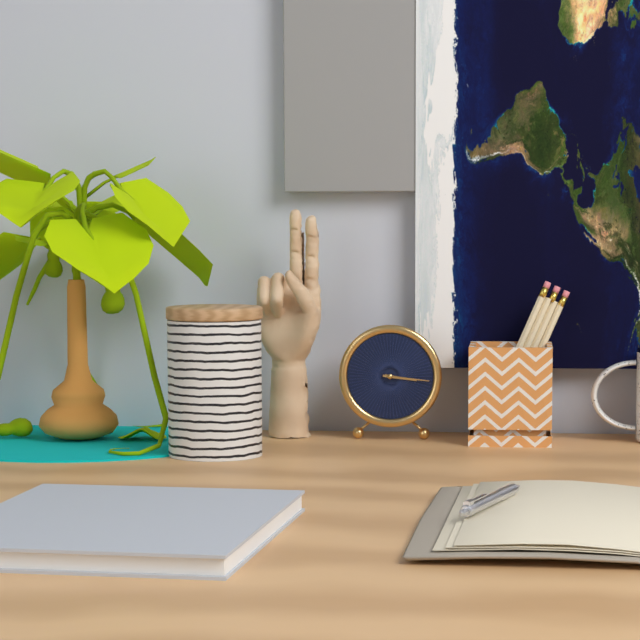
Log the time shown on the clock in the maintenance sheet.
3:16
